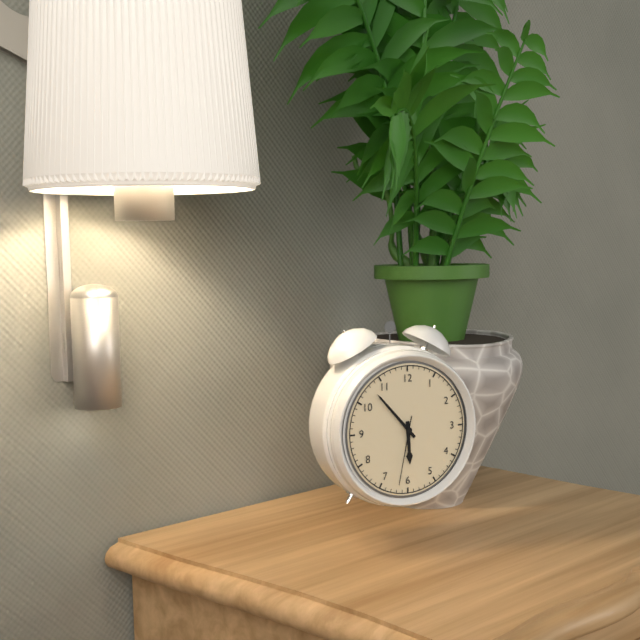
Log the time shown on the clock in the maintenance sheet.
5:53:32
